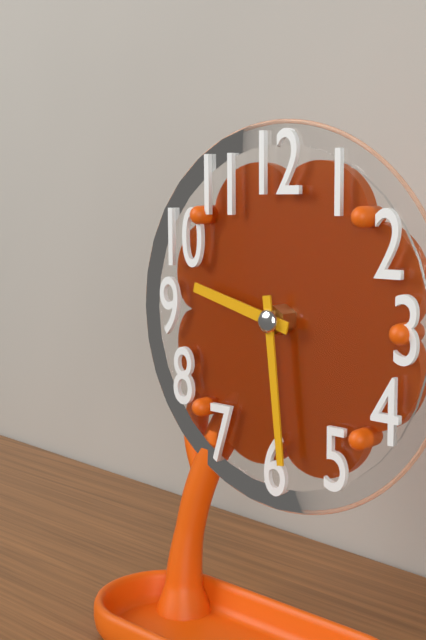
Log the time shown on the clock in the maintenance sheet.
9:29
